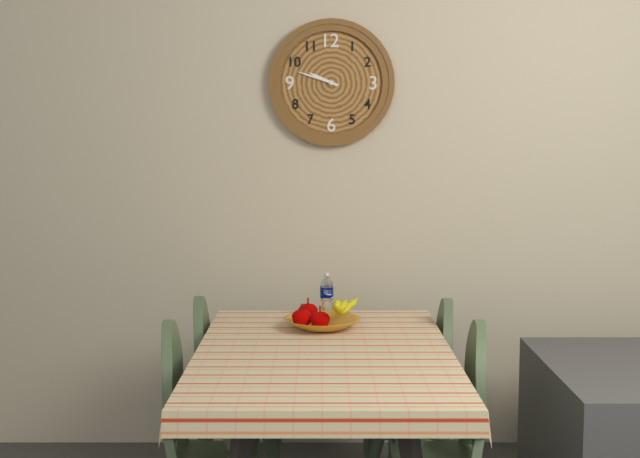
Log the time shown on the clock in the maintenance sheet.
9:48
